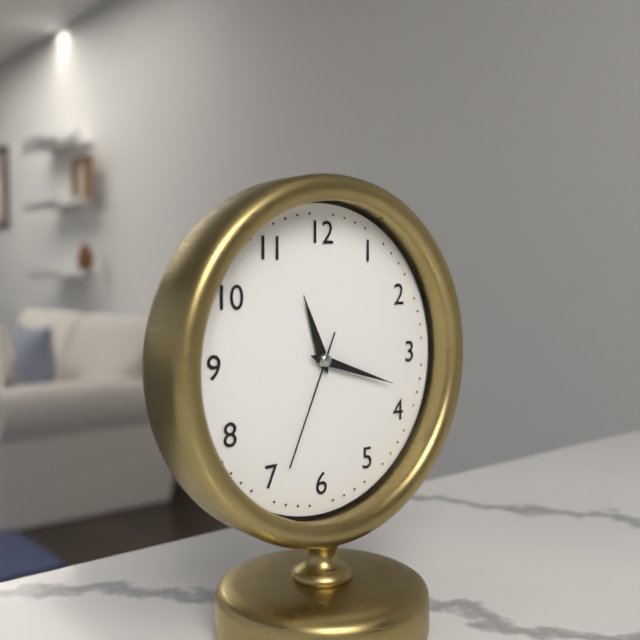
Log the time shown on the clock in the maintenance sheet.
11:18:34
